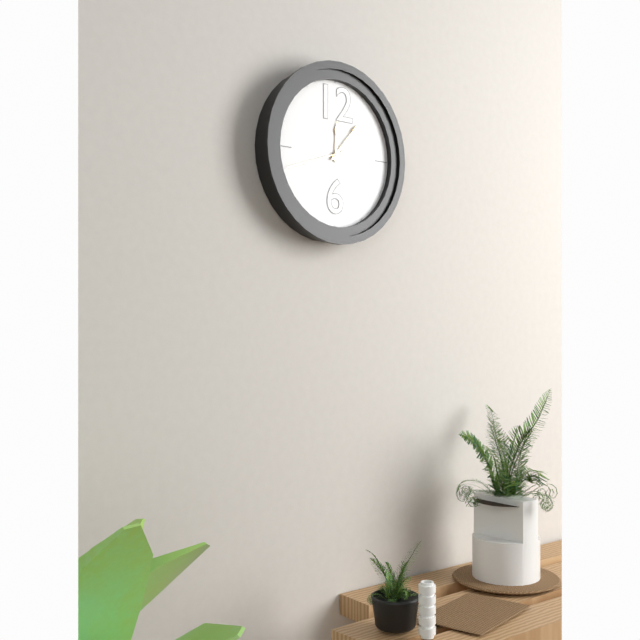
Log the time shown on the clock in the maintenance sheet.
12:07:42
